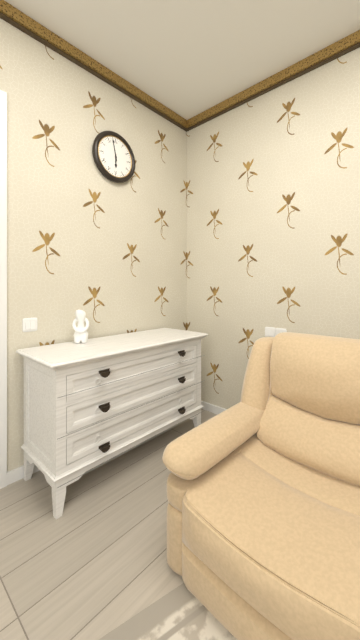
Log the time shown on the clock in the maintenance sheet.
5:58
